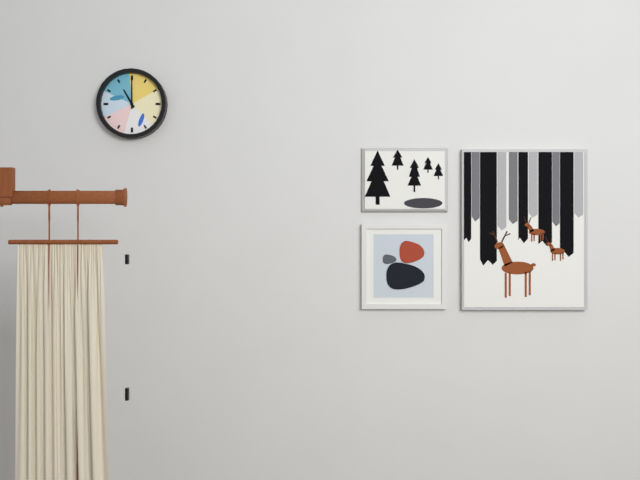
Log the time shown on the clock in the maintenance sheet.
11:00
